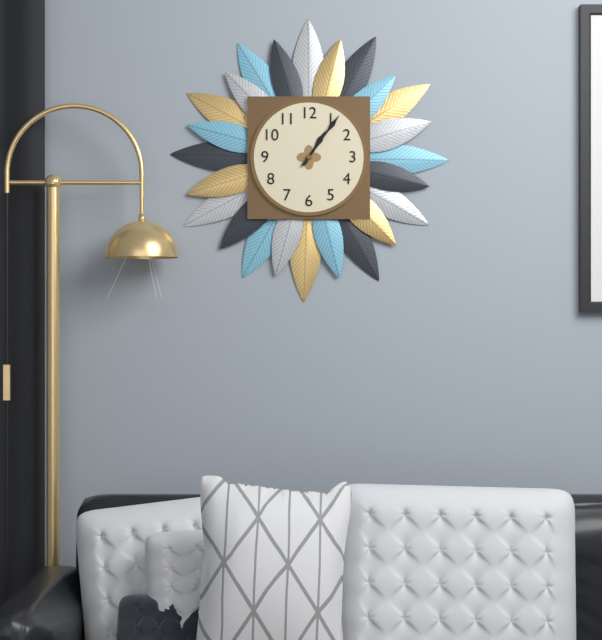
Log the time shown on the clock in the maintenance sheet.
1:06
